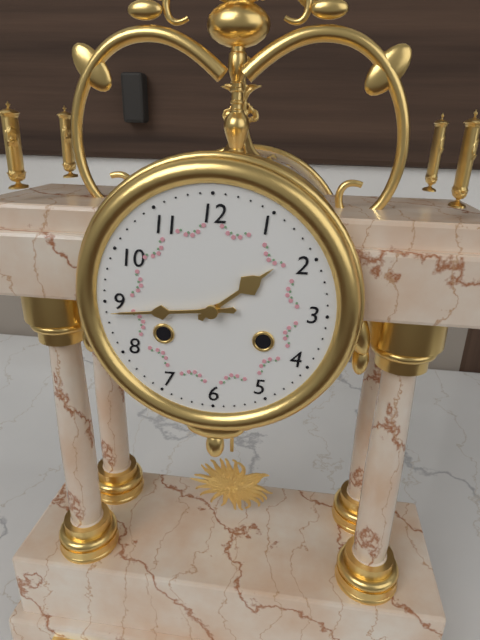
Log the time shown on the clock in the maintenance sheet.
1:44
